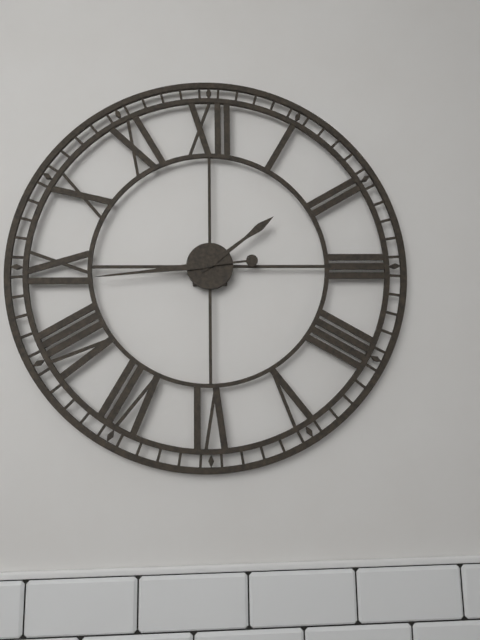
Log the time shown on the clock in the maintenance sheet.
1:44
